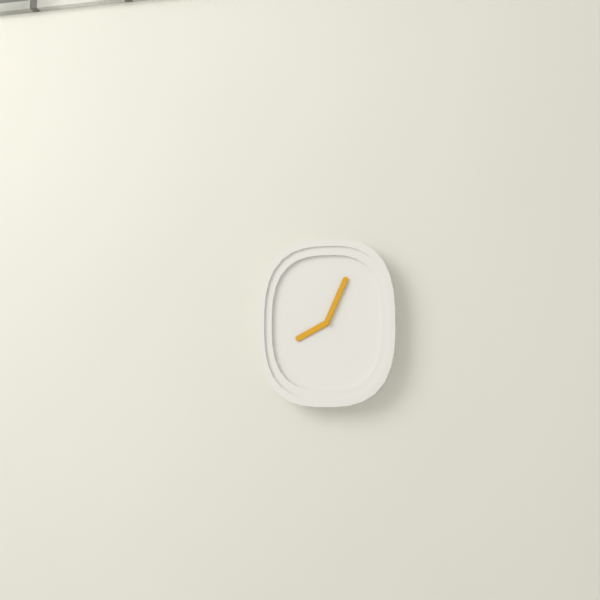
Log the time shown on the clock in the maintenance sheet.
8:04
